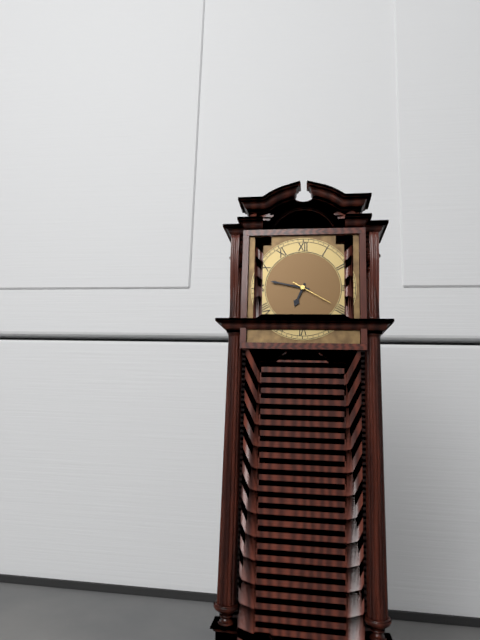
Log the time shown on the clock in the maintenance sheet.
6:47
